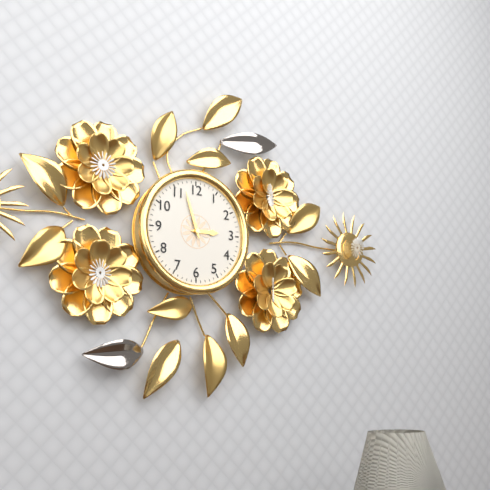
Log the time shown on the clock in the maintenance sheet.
2:57
